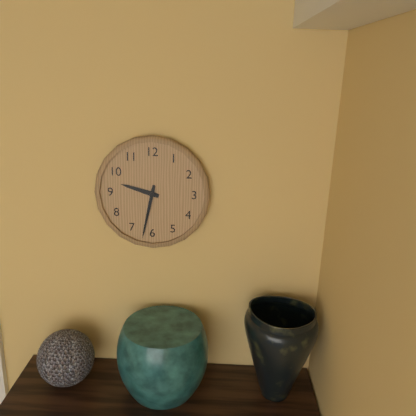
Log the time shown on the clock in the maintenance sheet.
9:32
